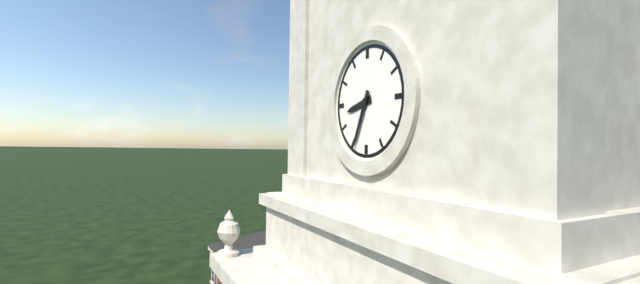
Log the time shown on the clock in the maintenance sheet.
8:34
